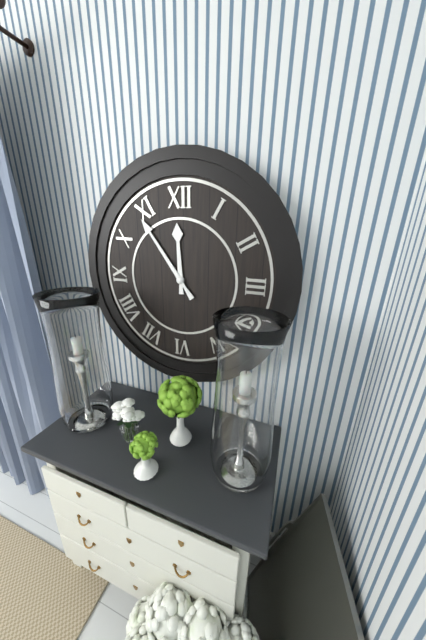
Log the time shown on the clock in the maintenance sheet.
11:54
